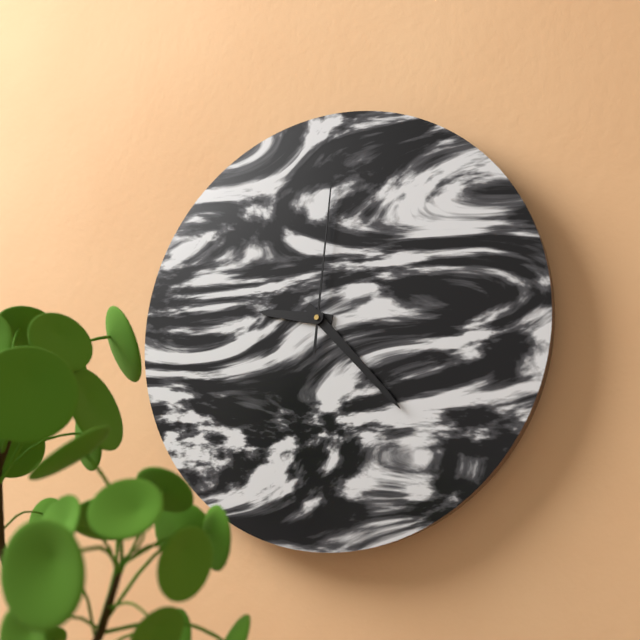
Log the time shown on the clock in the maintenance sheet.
9:23:01
